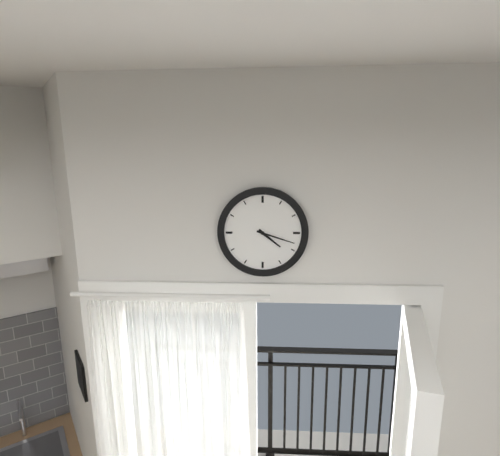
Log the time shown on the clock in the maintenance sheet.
4:18
